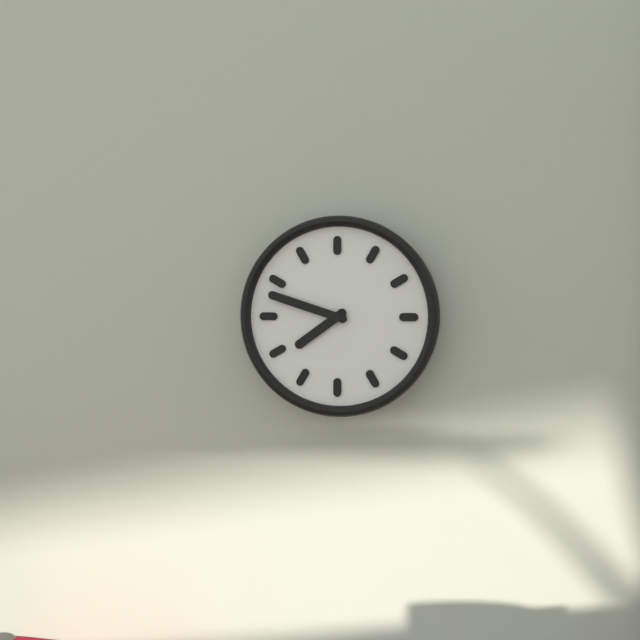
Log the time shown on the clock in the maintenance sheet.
7:48
